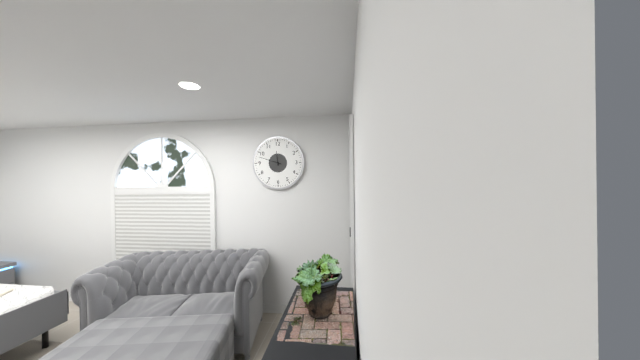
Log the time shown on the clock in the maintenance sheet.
11:48
